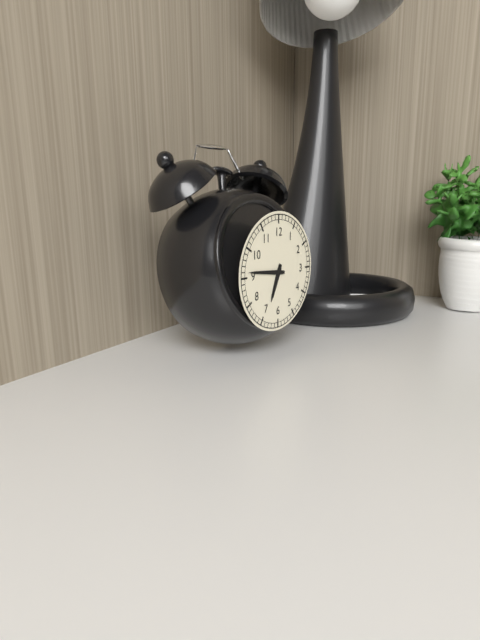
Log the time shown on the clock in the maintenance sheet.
6:46
